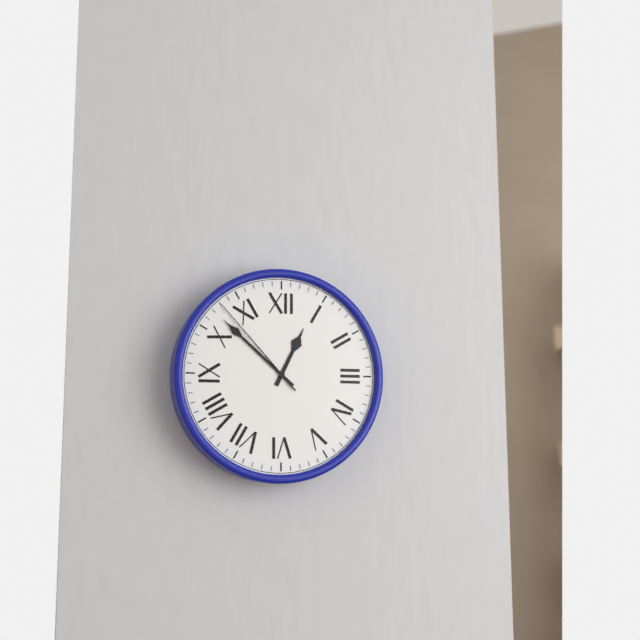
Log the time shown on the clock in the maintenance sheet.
12:52:53
